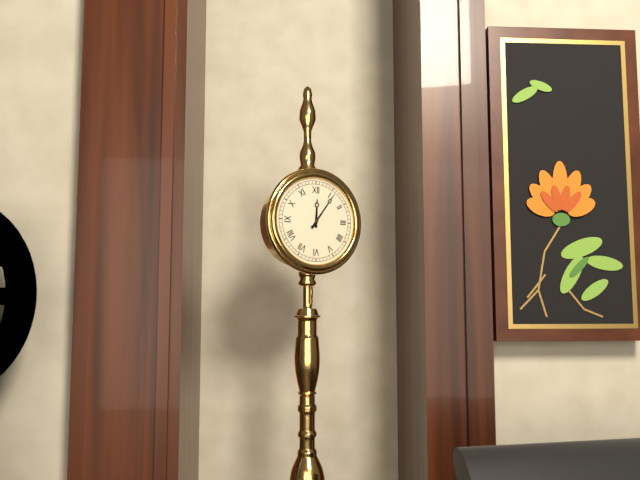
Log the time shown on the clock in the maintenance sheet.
12:06
